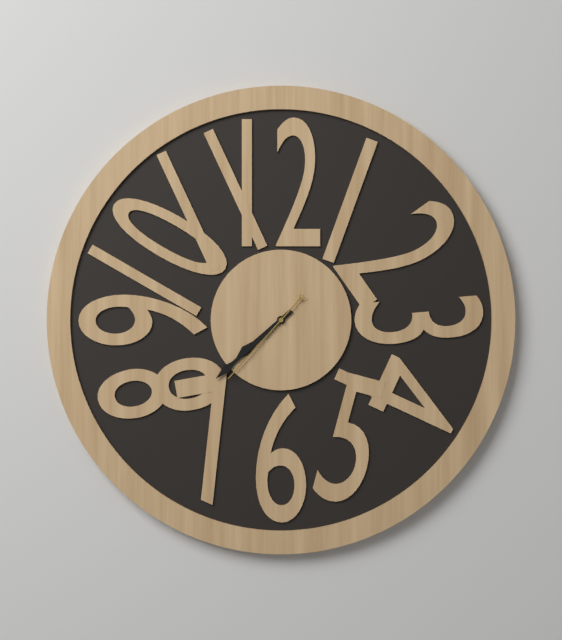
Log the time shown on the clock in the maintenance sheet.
7:38:37
